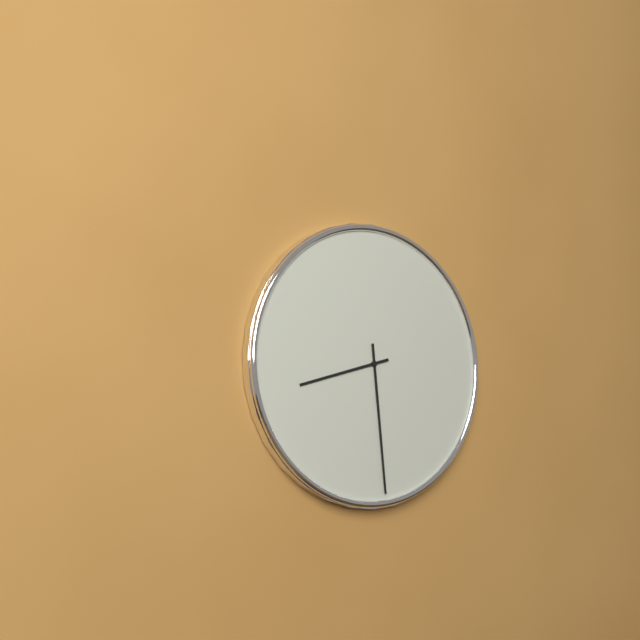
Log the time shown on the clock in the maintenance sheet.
8:29
